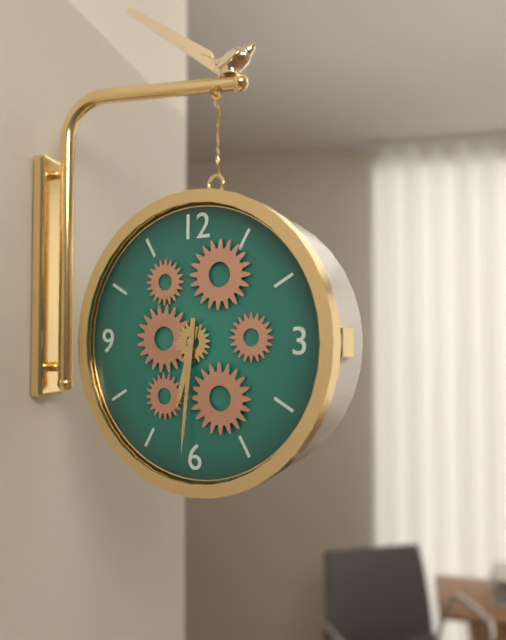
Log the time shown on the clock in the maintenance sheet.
6:31
